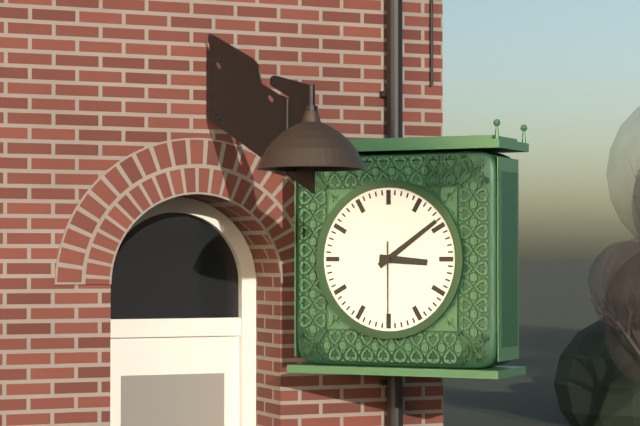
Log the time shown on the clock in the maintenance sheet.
3:09:30
